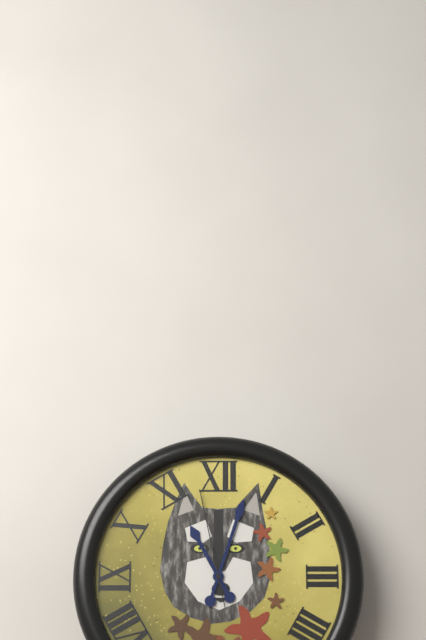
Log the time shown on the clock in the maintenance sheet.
11:03:58
